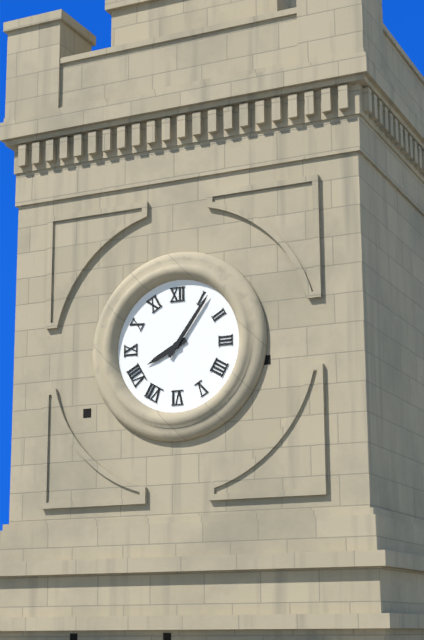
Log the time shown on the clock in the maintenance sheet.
8:06
